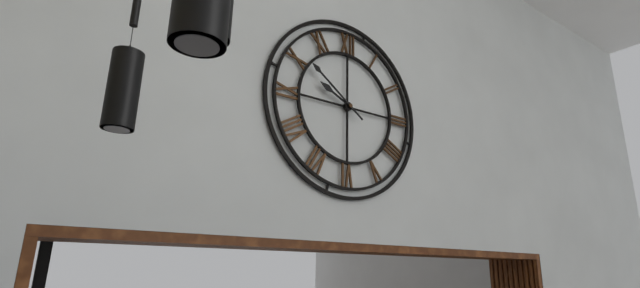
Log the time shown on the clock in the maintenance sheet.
9:51
